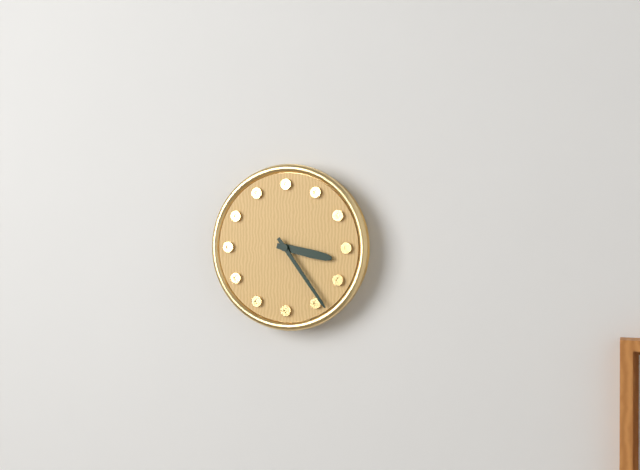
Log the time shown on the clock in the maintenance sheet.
3:24
